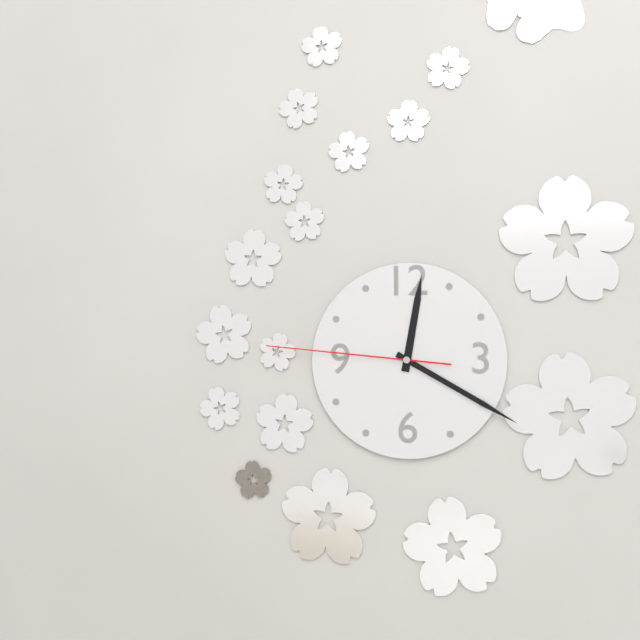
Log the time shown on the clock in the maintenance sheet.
12:20:46
